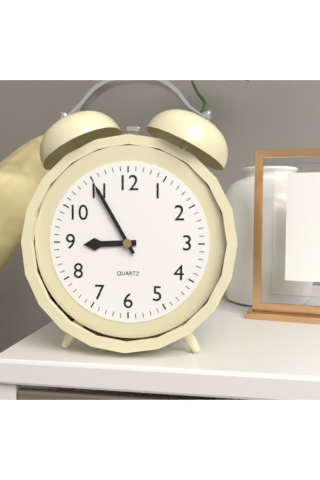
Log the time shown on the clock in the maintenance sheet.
8:55
